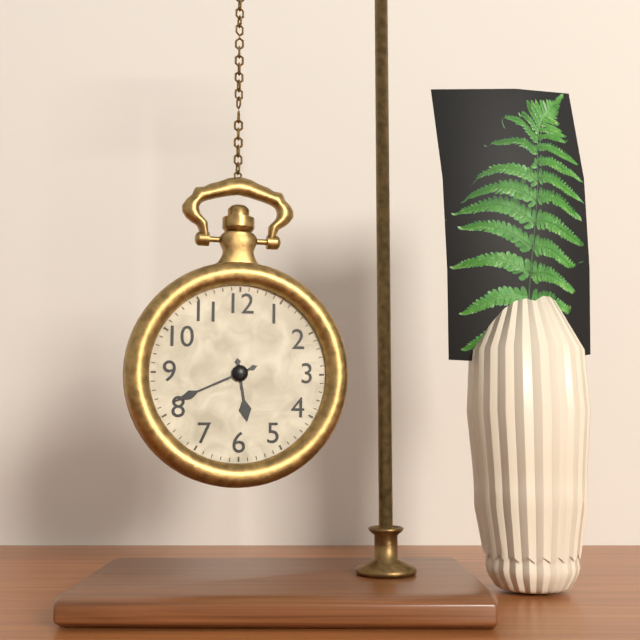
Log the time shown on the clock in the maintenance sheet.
5:41
